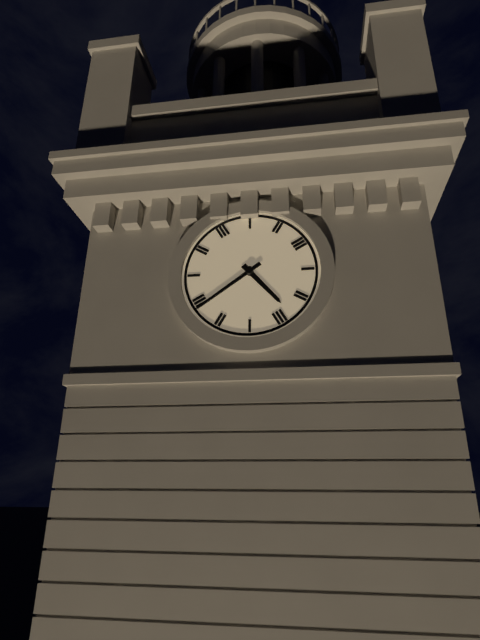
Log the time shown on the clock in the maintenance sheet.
4:39
